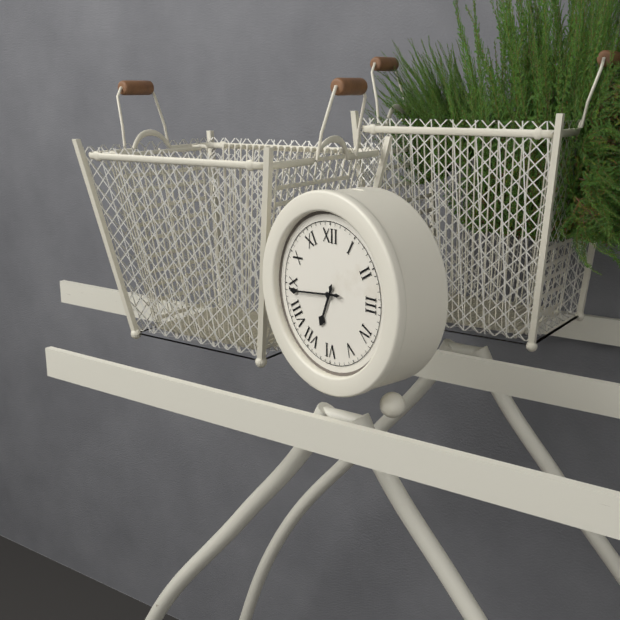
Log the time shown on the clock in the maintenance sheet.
6:44
